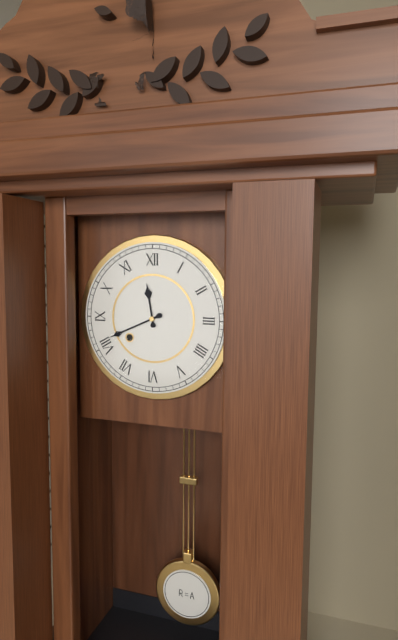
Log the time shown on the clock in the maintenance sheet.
11:41
